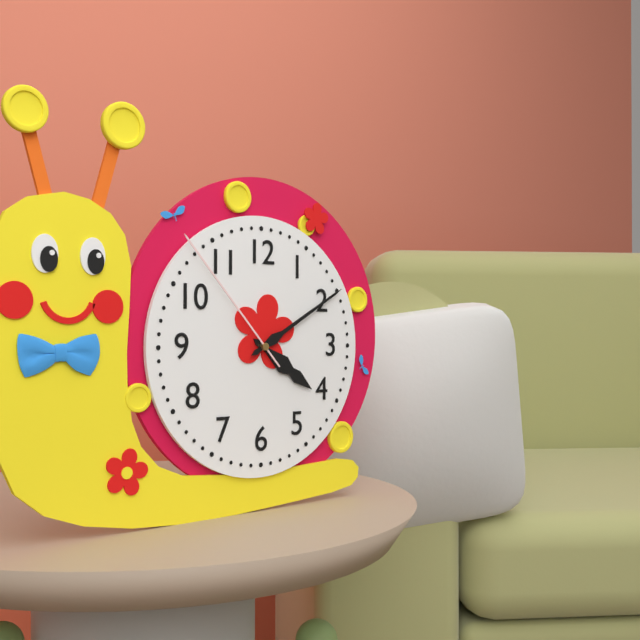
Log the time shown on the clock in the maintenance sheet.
4:10:53
